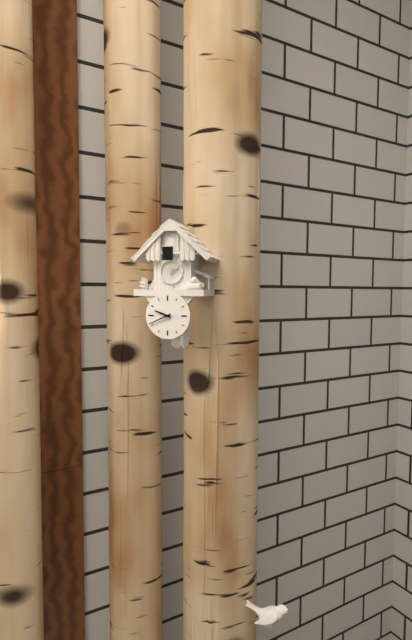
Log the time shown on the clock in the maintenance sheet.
9:41
